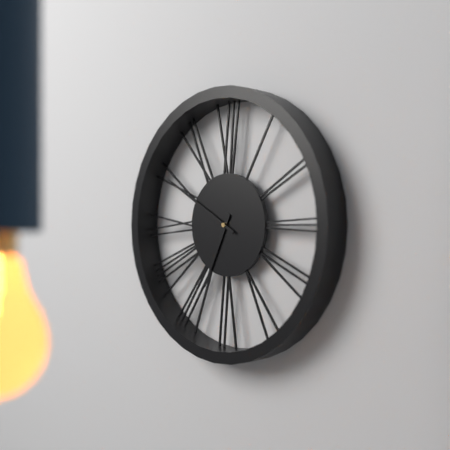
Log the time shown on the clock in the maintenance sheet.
6:50
